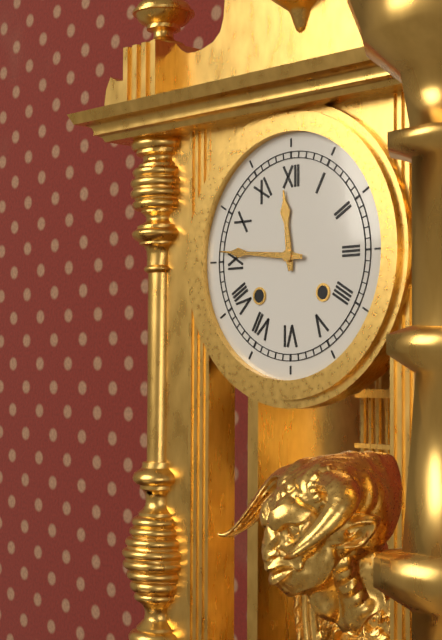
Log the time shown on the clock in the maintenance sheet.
11:46
